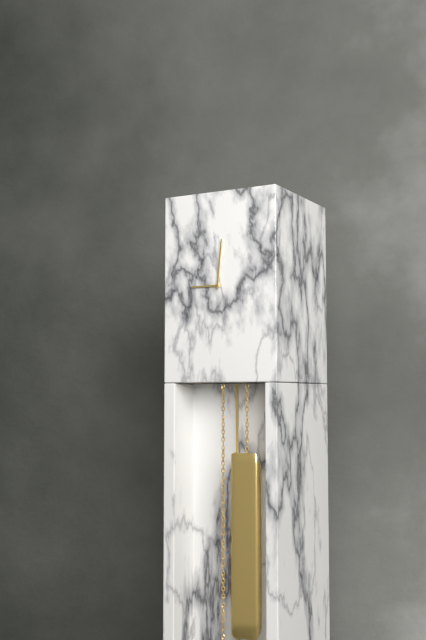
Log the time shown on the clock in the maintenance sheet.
9:01
